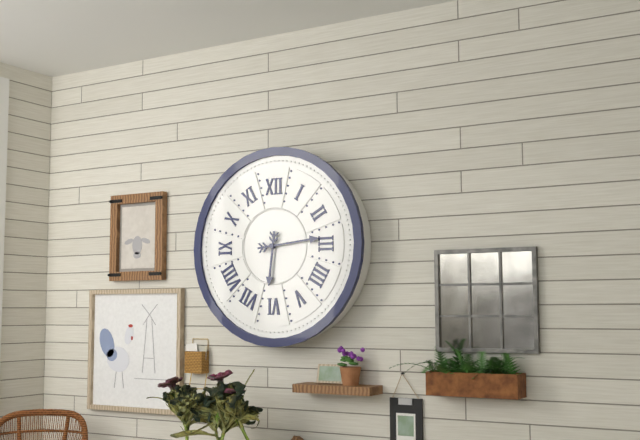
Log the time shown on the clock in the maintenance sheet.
6:14
